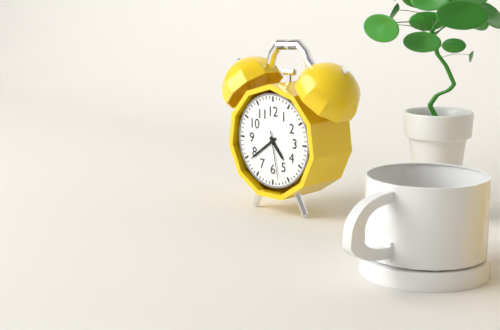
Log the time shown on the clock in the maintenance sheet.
4:39:28
